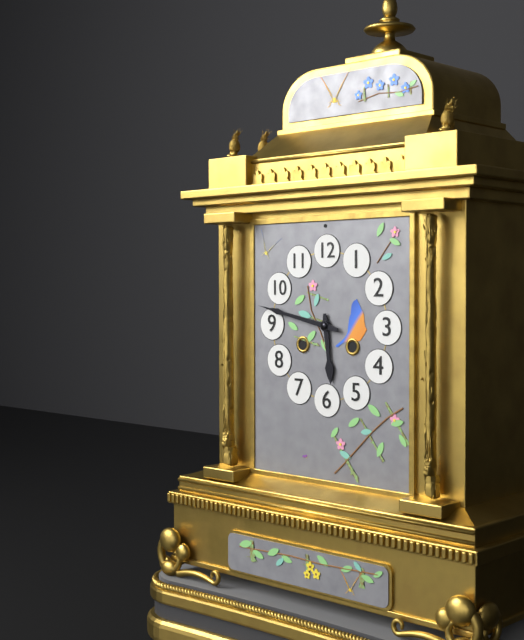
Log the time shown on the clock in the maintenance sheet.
5:47
